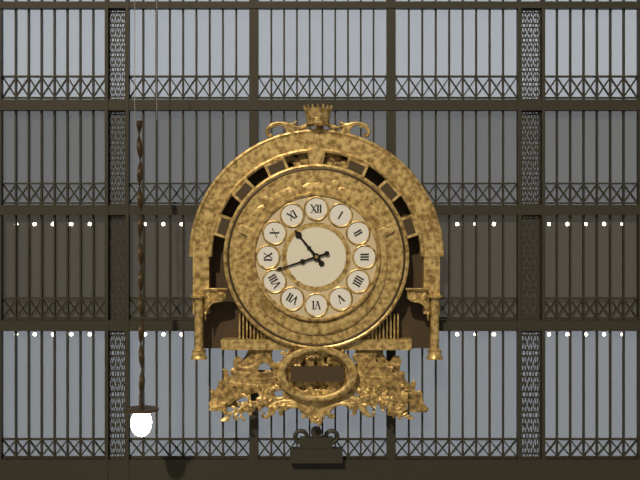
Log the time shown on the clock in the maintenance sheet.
10:42
